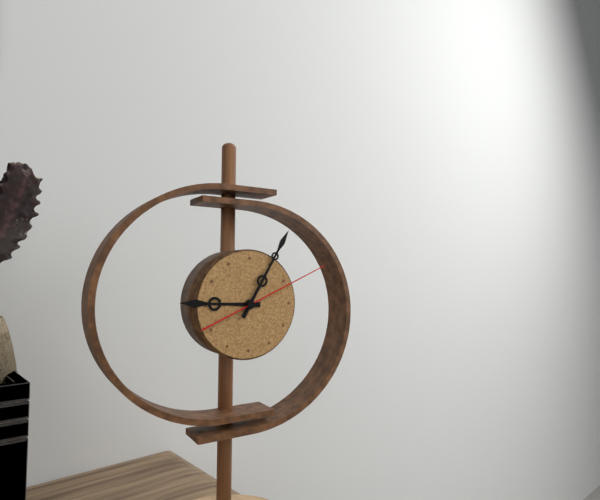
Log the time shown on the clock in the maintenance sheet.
9:05:11
